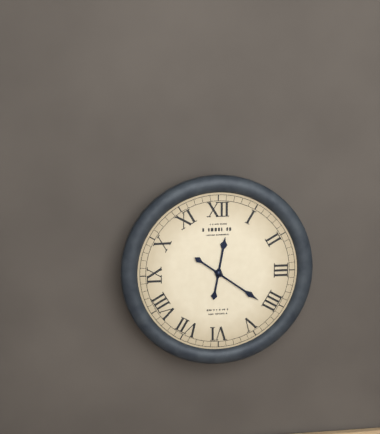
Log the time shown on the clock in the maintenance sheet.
12:21
